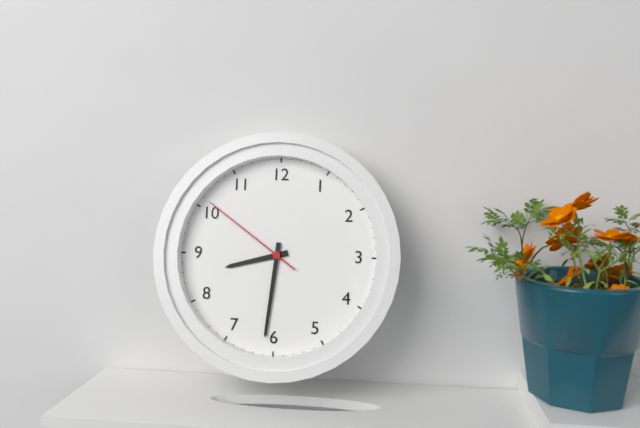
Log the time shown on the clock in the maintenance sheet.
8:31:51
